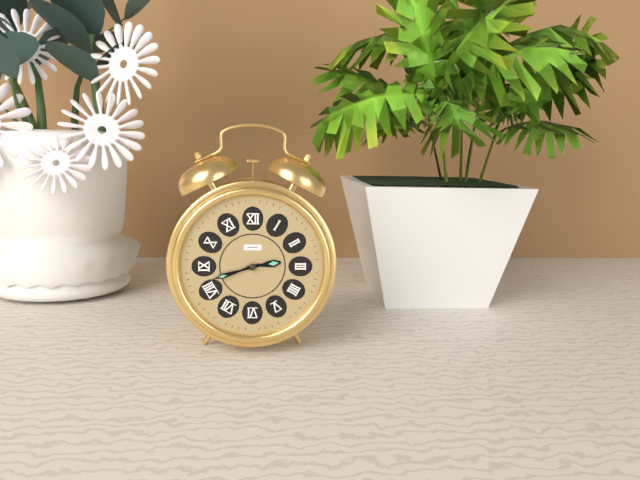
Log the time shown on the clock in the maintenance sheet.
2:42
